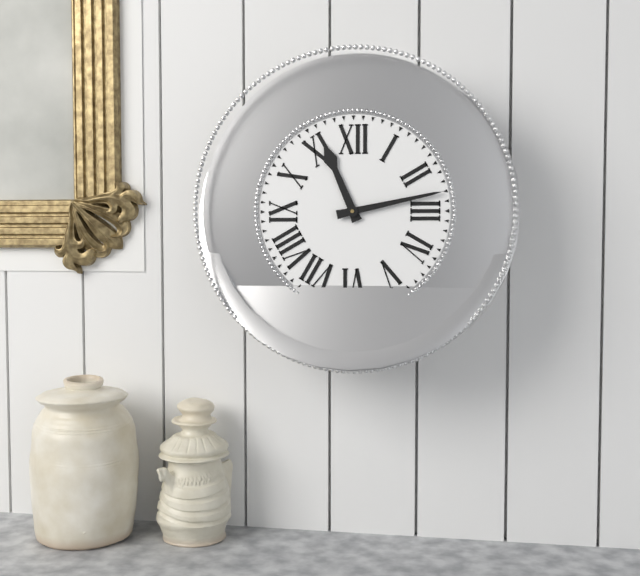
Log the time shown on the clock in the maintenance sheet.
11:13
